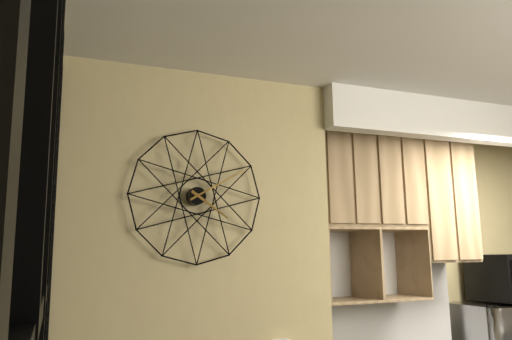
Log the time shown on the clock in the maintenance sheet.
4:10
